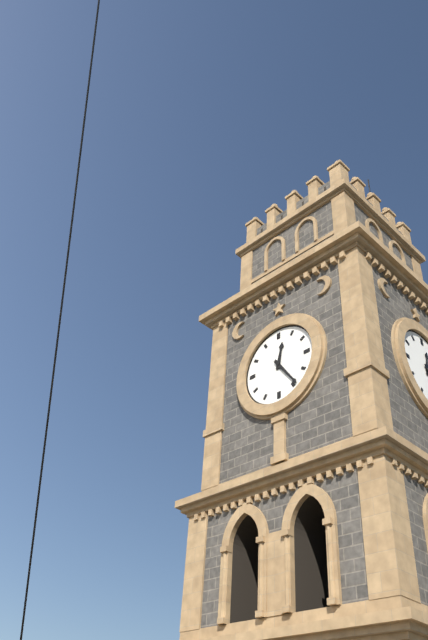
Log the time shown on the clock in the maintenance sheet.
12:24
